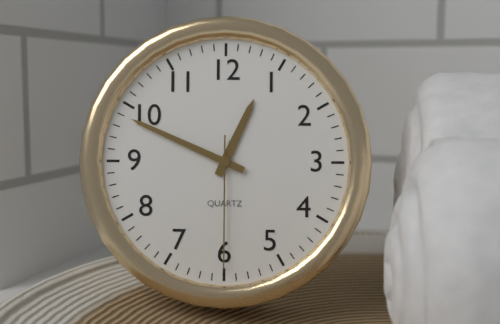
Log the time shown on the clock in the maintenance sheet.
12:49:30
